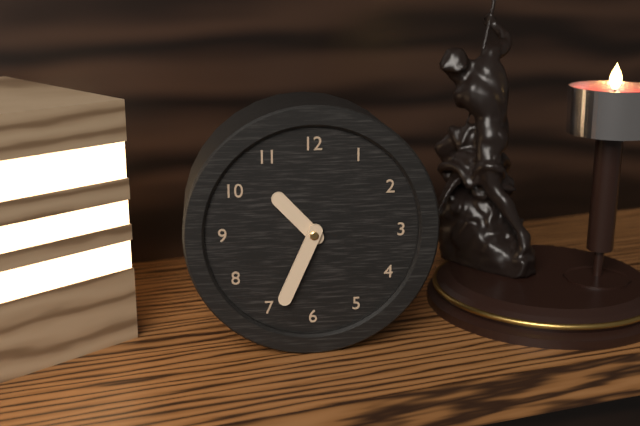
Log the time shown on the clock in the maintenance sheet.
10:34
